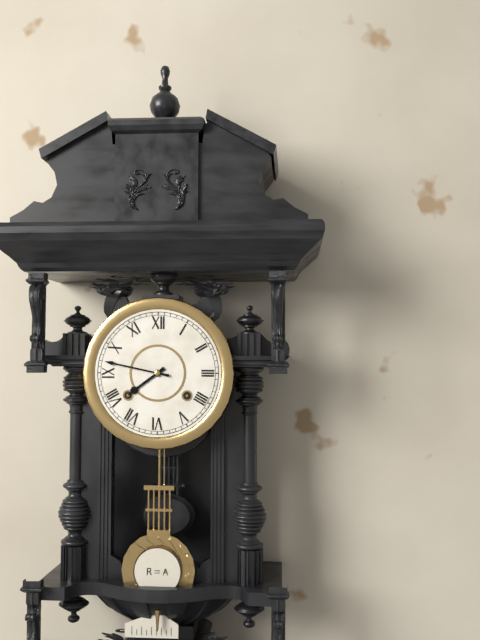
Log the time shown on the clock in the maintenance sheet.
7:47
